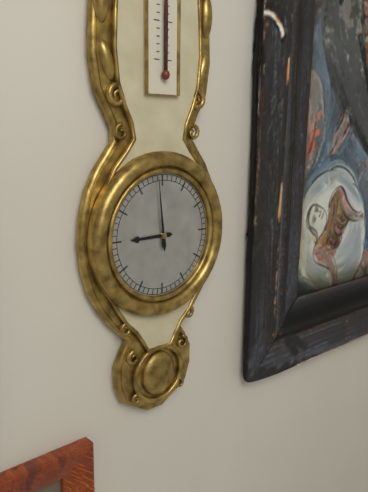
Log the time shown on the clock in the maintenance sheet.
8:59
